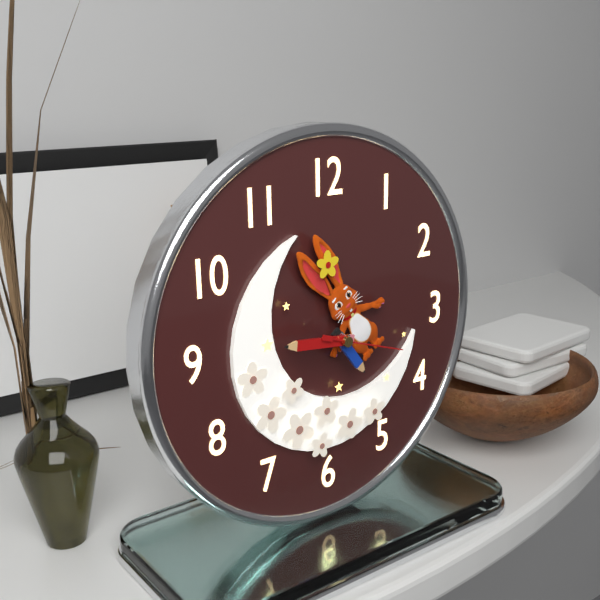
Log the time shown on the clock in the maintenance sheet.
4:46:18
